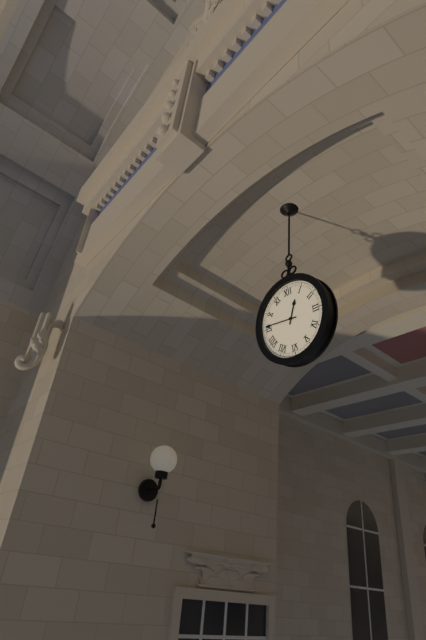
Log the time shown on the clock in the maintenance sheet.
12:46
